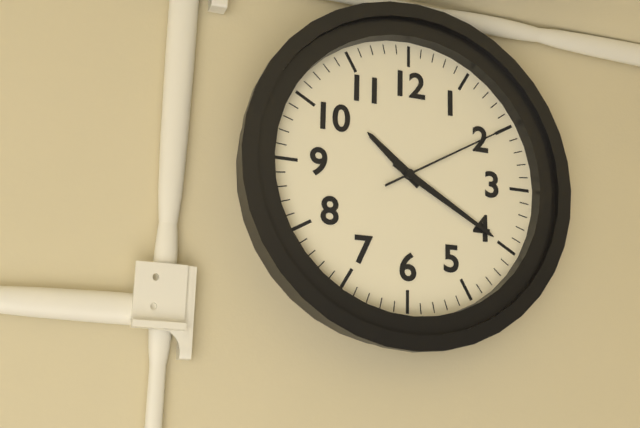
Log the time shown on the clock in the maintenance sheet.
10:20:10
